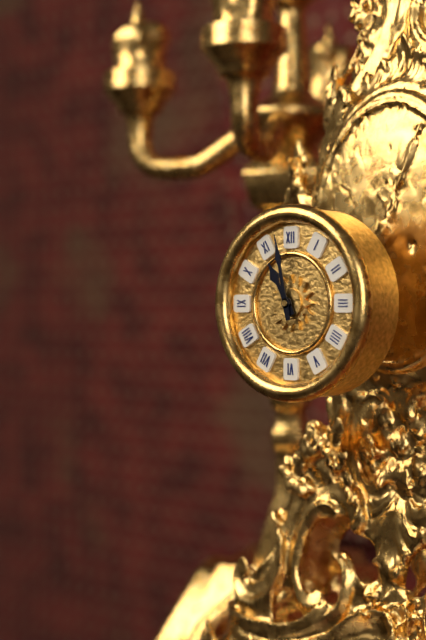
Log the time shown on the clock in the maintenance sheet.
10:58
